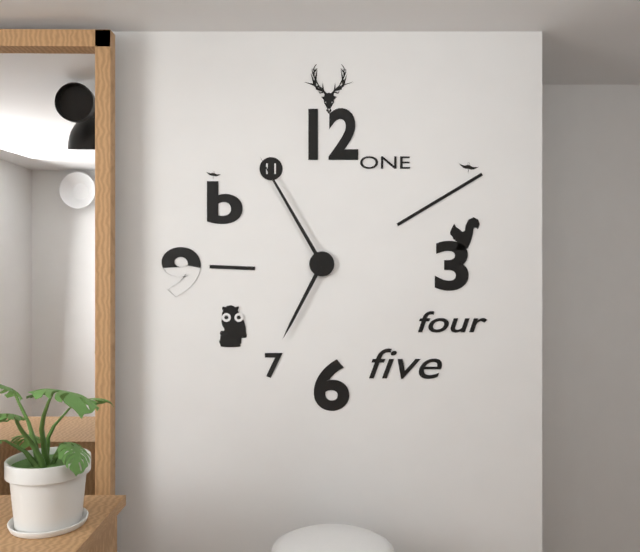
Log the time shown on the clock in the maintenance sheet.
6:55
